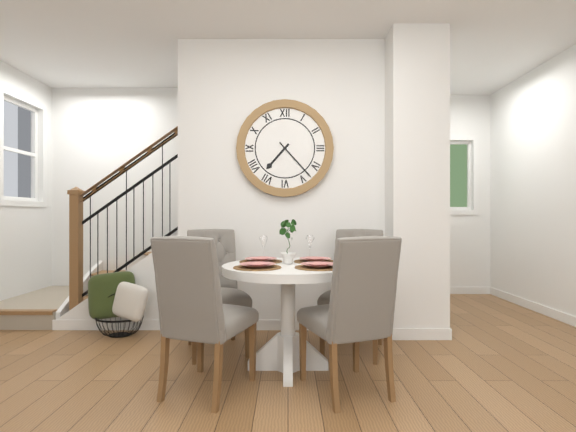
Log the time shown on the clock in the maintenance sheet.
7:23
